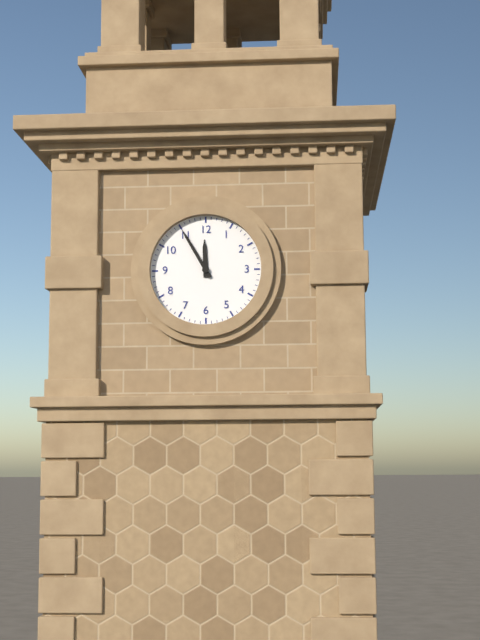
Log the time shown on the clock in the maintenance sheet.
11:55
